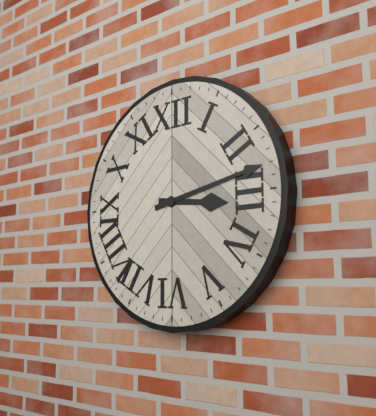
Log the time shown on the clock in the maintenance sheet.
3:13
